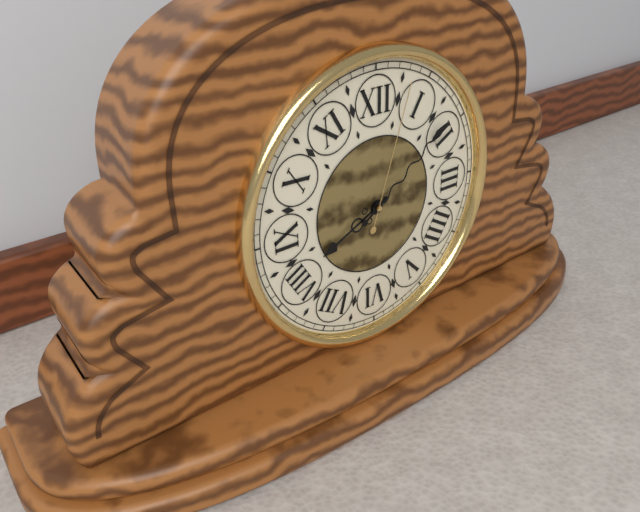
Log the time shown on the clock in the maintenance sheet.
8:09:03
